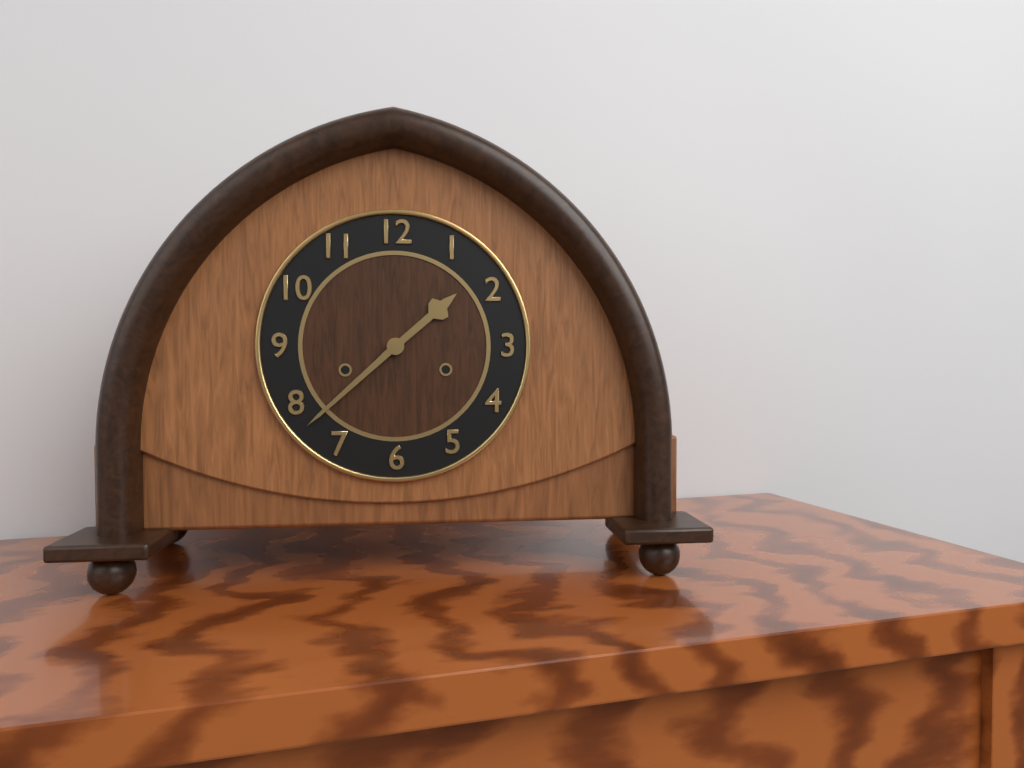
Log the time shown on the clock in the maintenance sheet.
1:38
